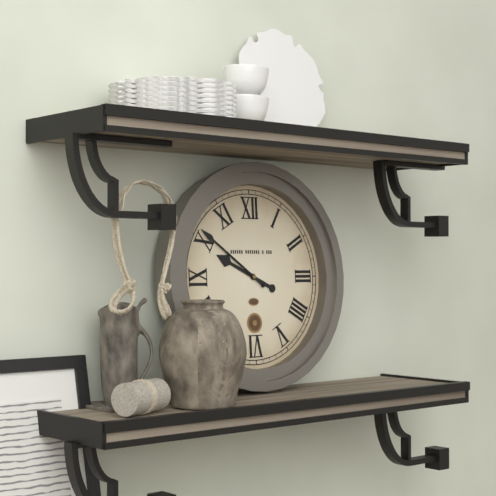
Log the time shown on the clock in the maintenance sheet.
9:51
